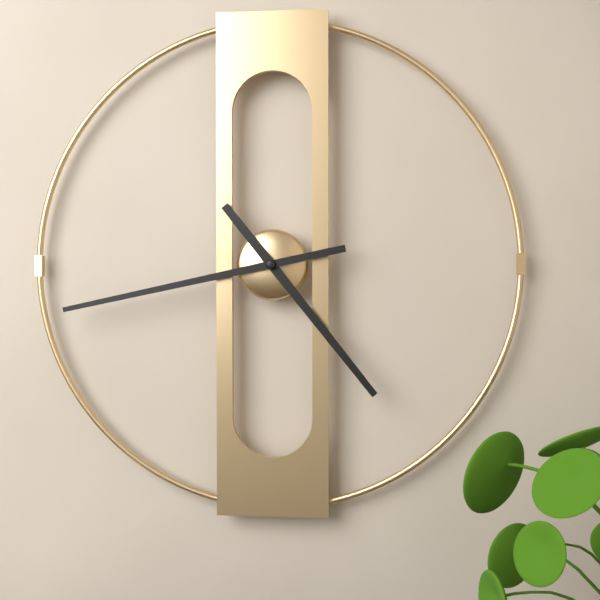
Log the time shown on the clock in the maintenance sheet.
4:43
